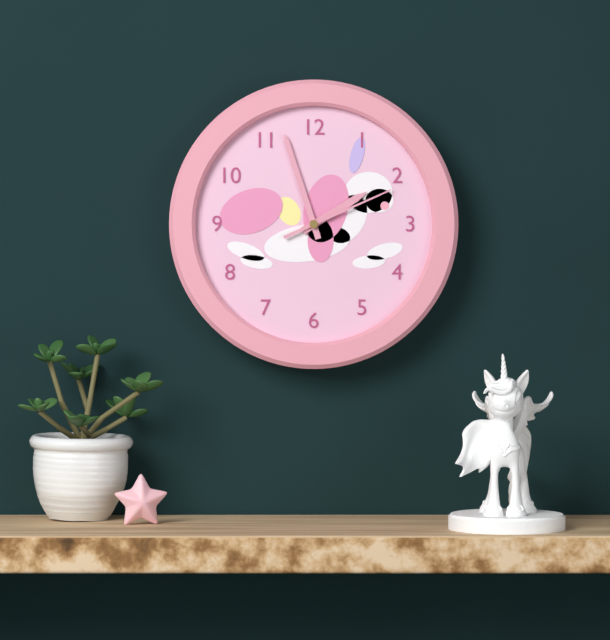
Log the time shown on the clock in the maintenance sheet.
1:57:11
